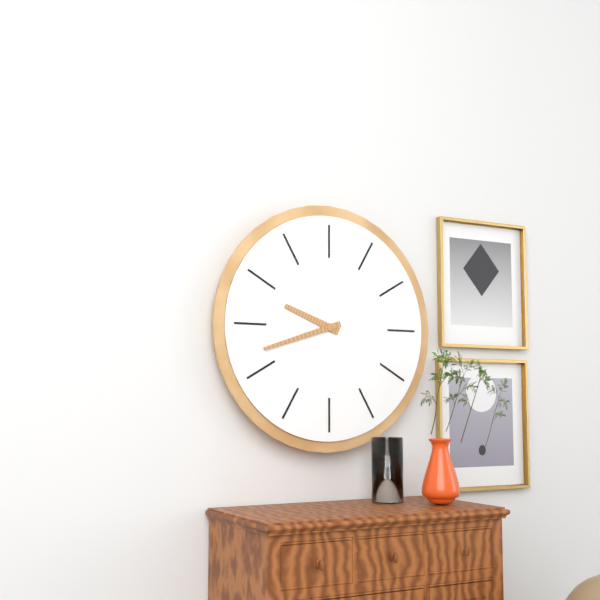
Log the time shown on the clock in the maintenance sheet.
9:42
